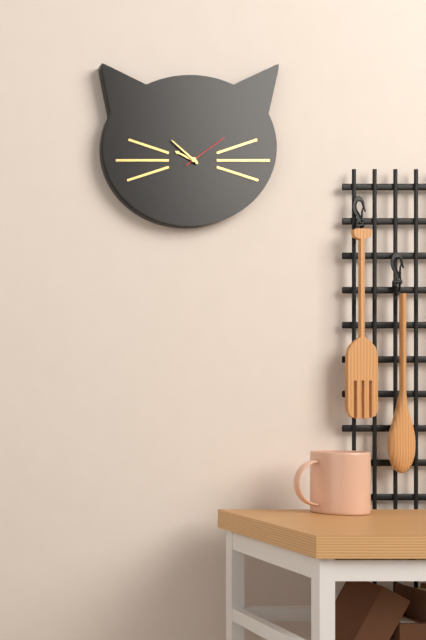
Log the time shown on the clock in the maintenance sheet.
9:52:09
